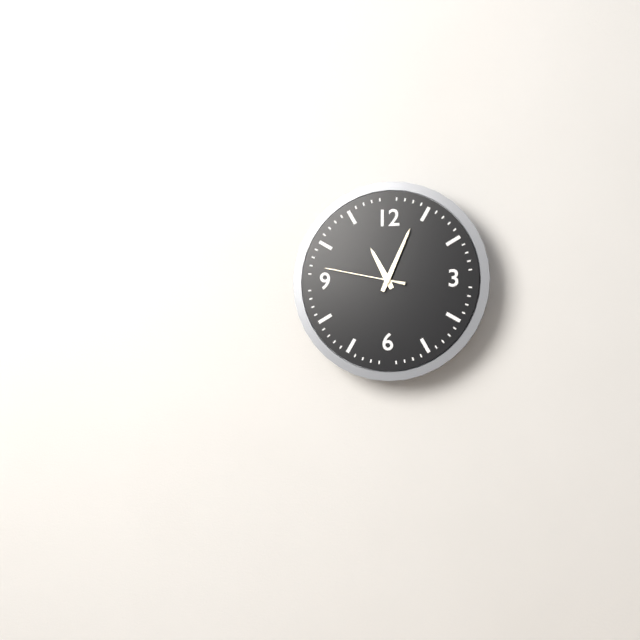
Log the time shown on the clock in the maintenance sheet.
11:04:47
